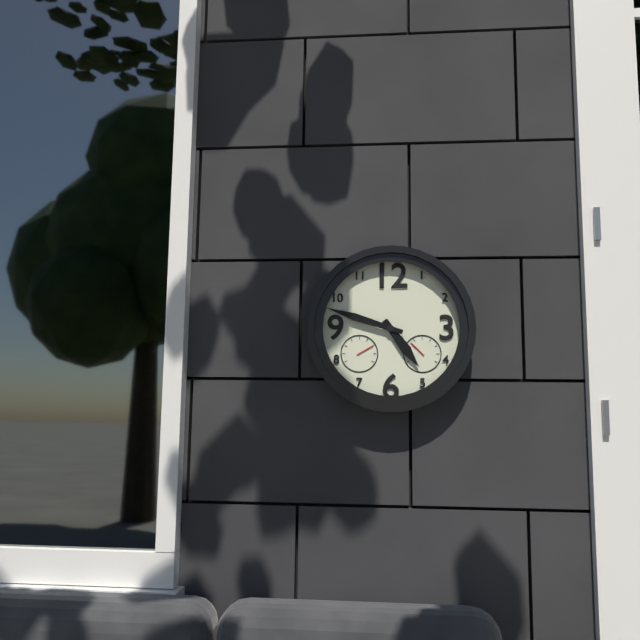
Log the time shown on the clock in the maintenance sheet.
4:48
